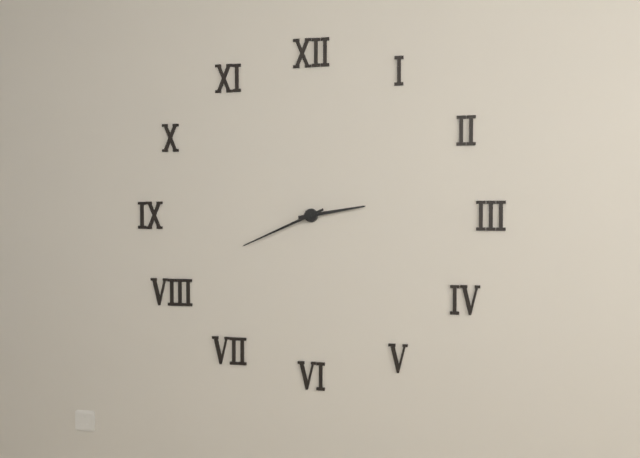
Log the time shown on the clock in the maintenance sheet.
2:41
